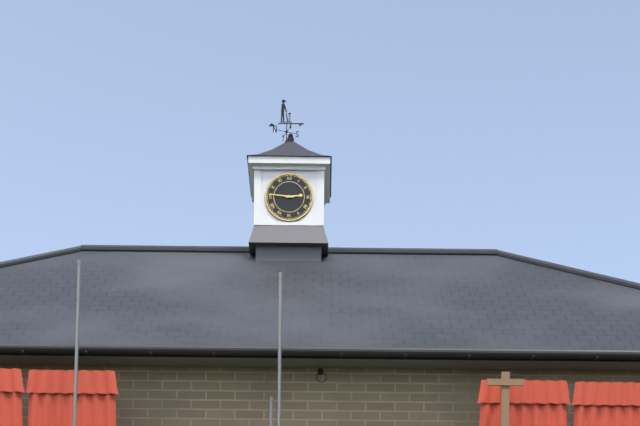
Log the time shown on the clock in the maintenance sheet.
2:46
